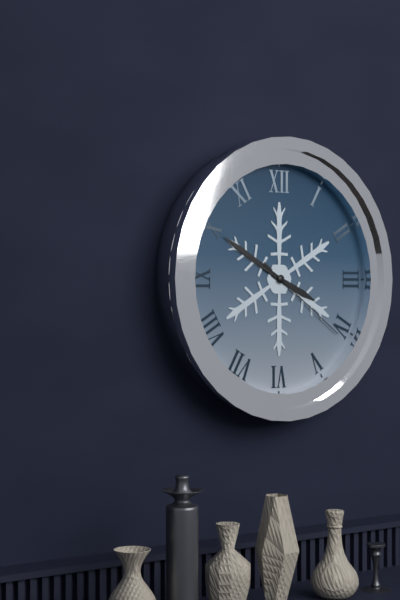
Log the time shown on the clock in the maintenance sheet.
3:50:21
